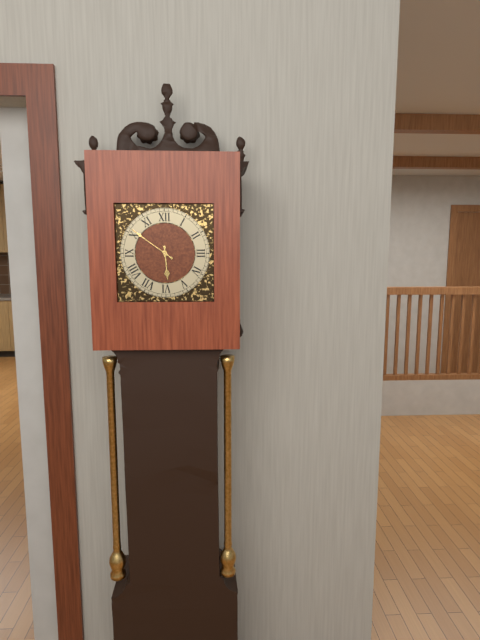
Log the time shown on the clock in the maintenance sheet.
5:51
